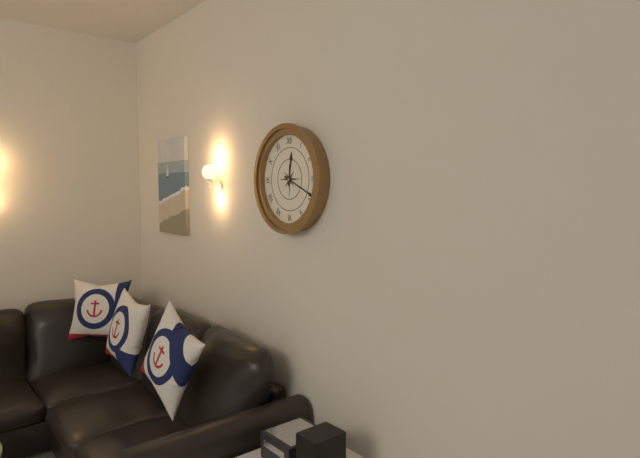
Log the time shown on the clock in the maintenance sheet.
12:19
